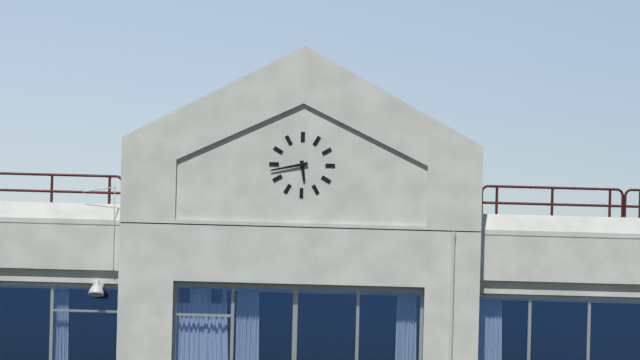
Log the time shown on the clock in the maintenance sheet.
5:43
